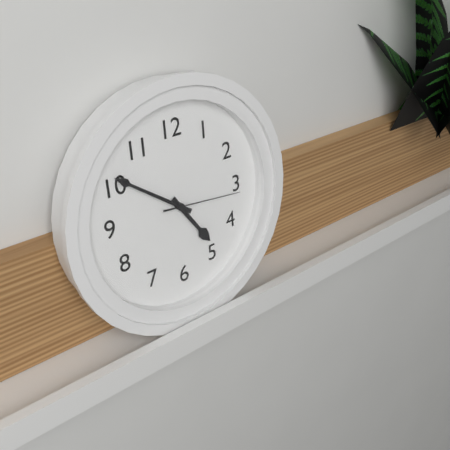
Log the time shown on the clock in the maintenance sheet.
4:51:16
